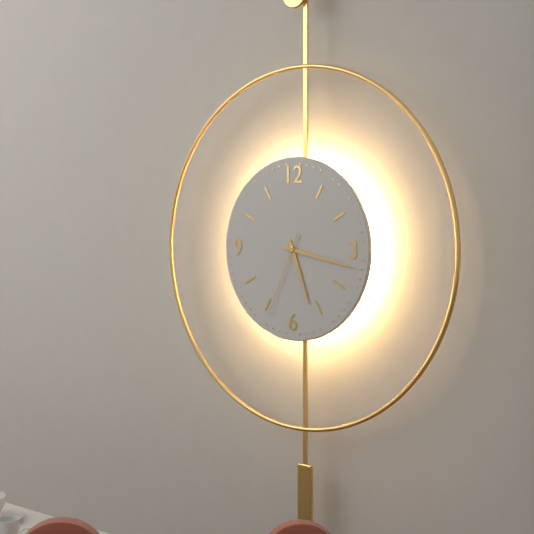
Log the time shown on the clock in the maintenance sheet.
5:17:34
